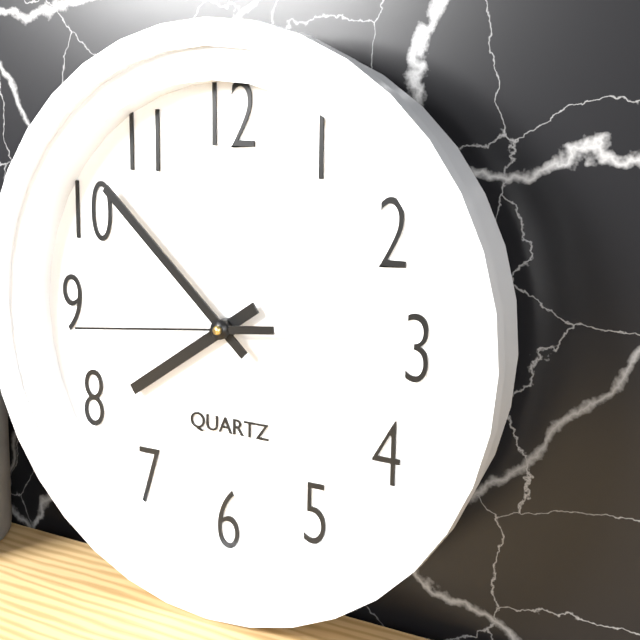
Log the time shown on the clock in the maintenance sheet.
7:52:44
